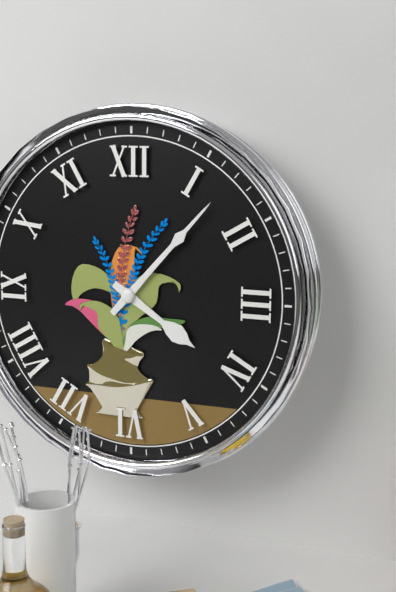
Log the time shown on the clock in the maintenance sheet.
4:07
